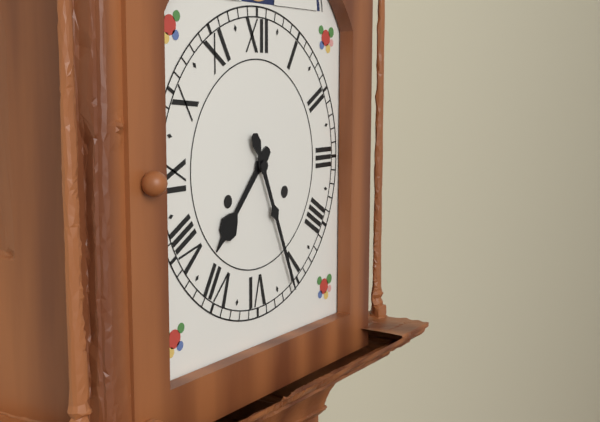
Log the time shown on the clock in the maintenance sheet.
7:26
